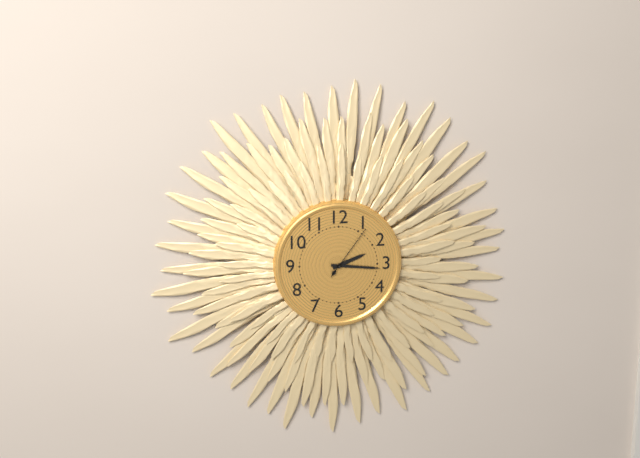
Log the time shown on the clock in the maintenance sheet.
2:16:06
